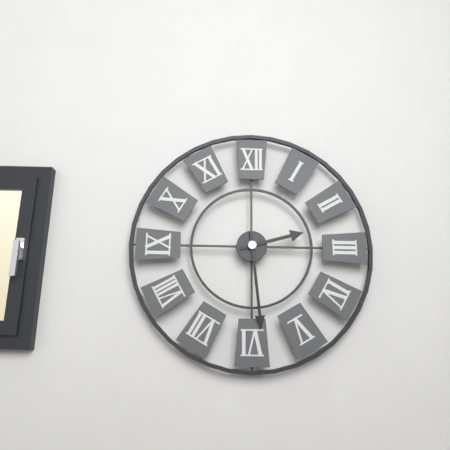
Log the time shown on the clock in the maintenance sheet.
2:29
